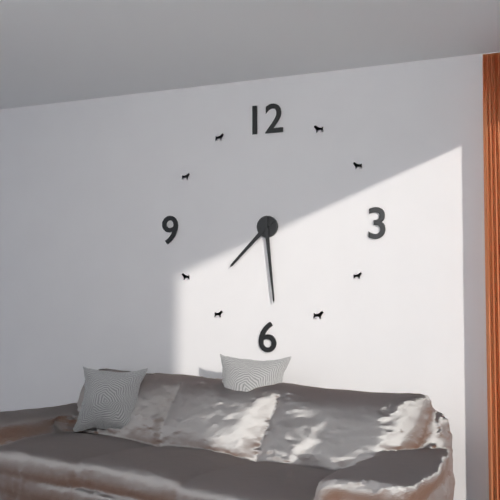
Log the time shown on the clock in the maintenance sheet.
7:29
